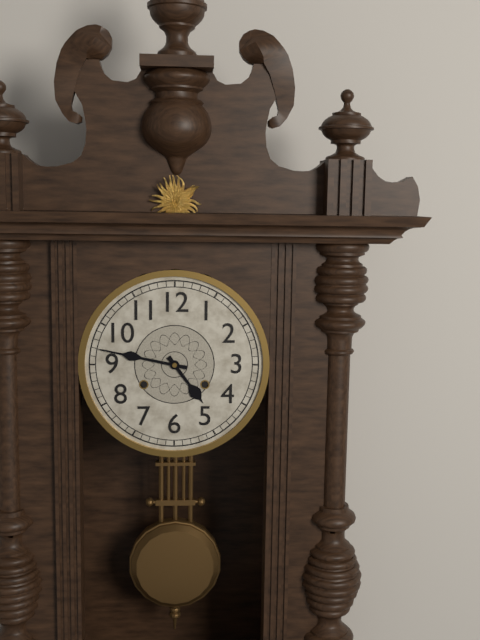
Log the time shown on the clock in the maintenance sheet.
4:47
